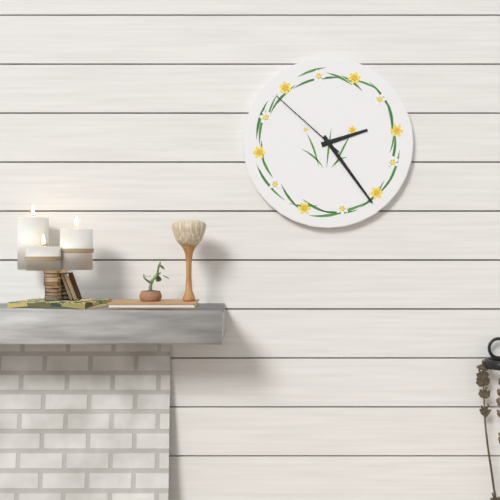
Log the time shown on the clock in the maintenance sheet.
2:24:52
